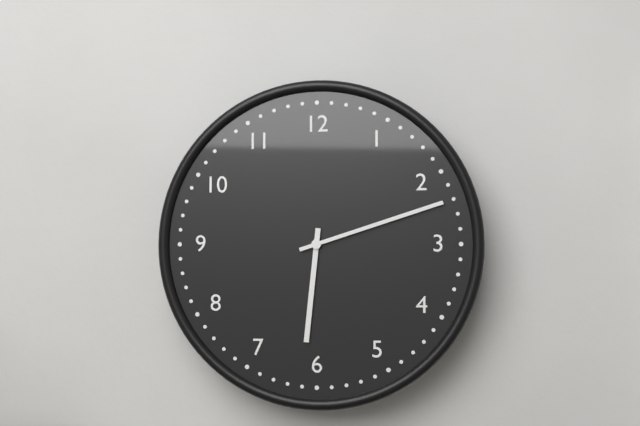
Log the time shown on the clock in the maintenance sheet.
6:12
